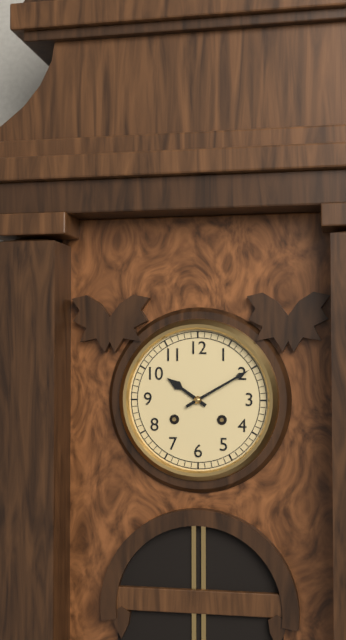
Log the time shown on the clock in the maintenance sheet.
10:10
